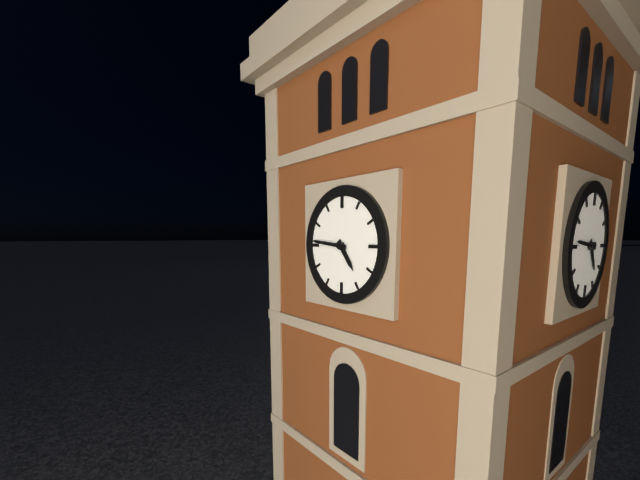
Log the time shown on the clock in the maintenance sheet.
4:46
